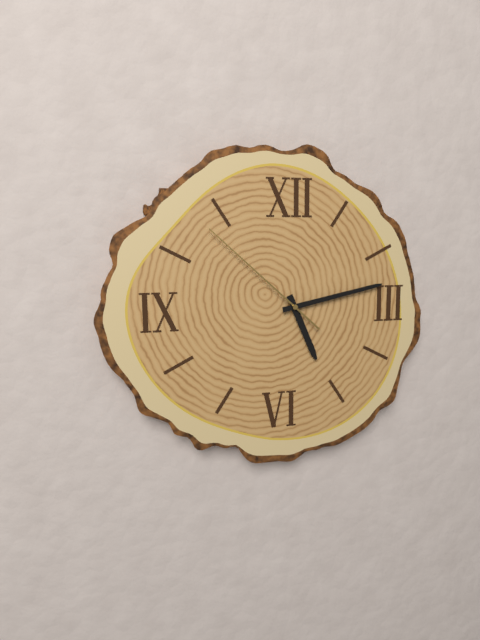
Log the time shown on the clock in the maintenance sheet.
5:13:52
